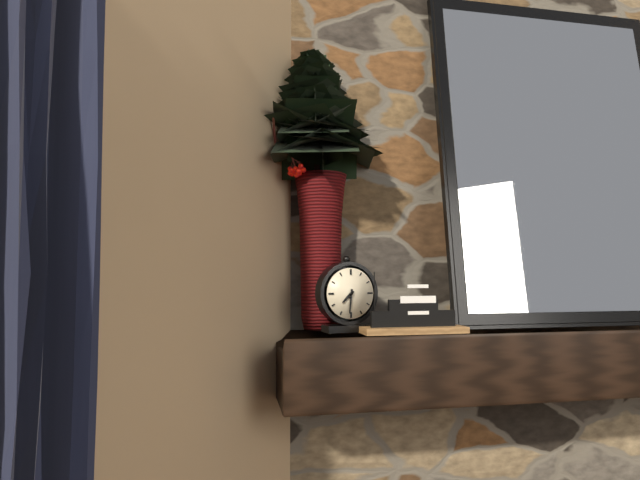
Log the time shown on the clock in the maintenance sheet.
7:31
